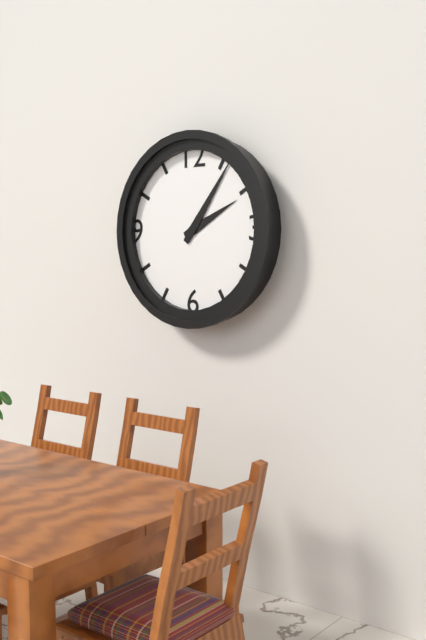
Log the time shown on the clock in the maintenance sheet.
2:06
